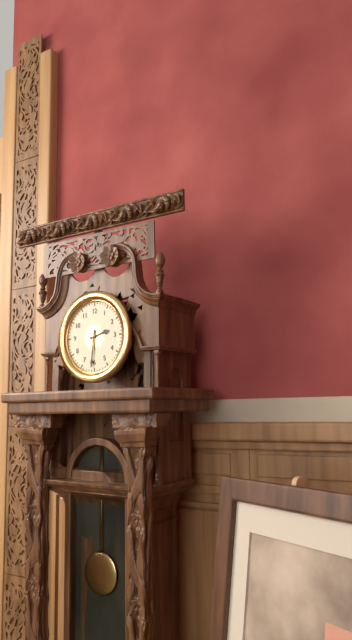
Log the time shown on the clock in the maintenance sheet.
2:31
